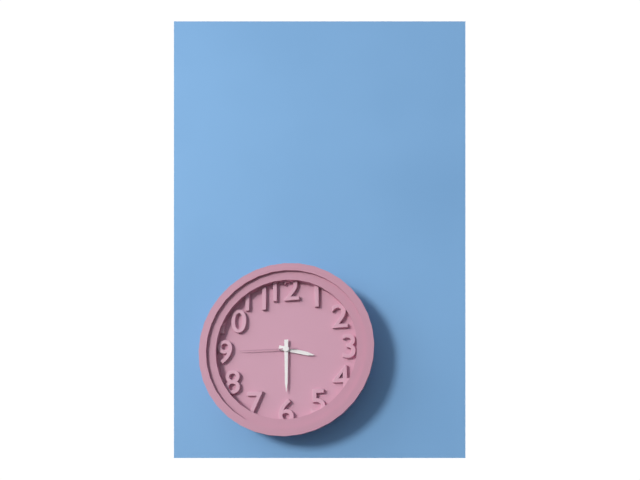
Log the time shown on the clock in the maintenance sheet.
3:30:45
